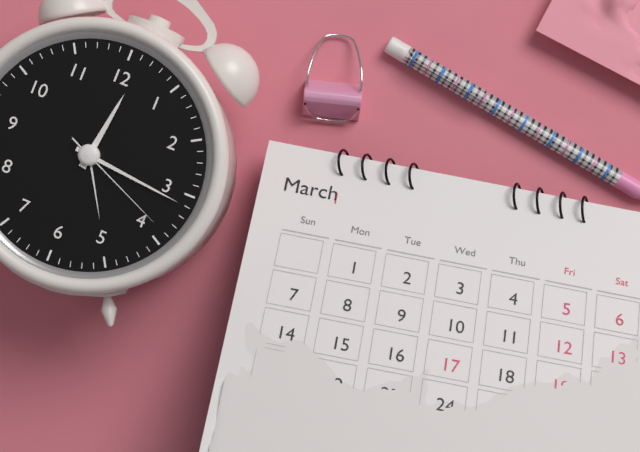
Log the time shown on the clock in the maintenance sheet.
12:16:19
